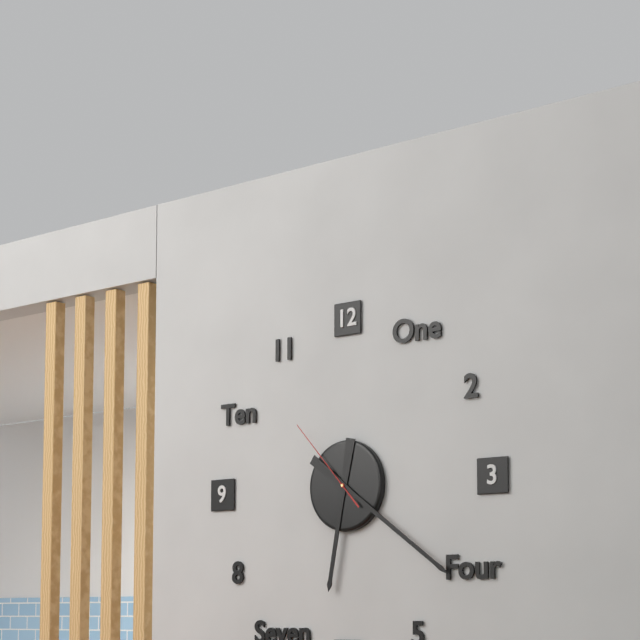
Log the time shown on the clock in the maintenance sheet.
6:21:53
